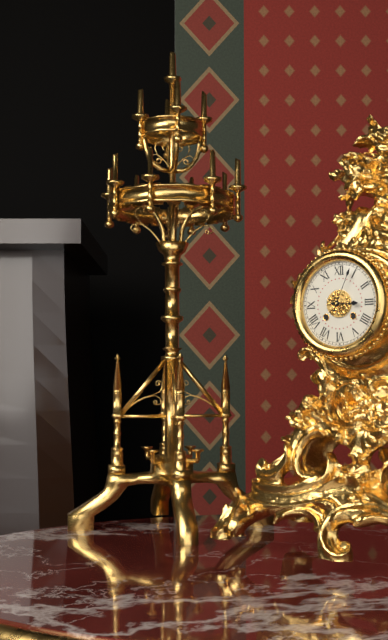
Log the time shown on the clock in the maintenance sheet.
3:04
